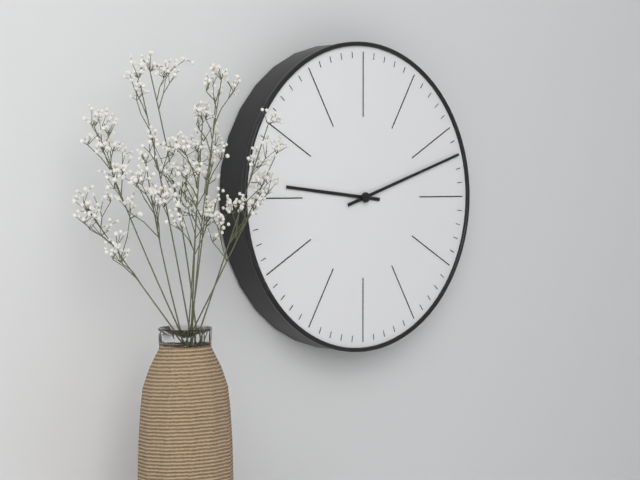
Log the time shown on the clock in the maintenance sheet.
9:12
